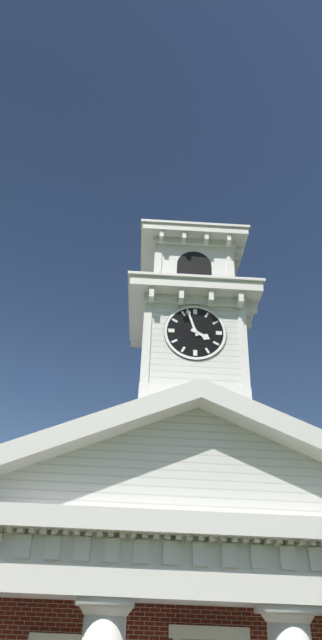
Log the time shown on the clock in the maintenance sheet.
3:57
